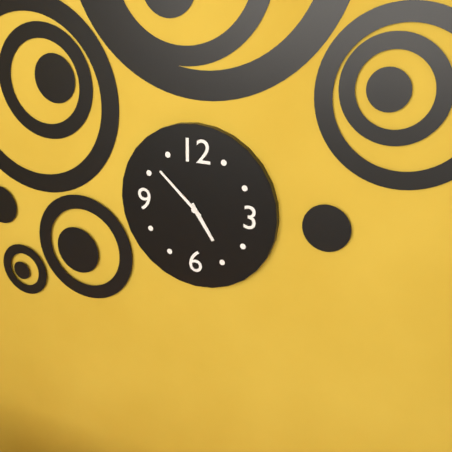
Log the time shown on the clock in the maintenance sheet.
4:52
